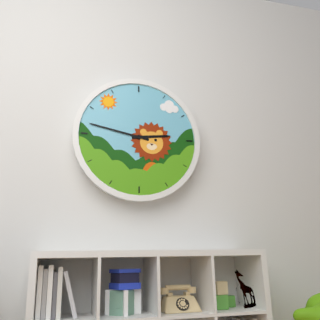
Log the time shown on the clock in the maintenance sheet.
2:47
